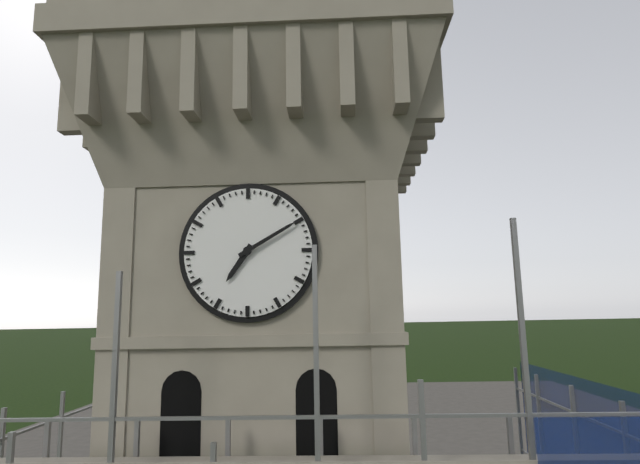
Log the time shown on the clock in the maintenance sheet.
7:10
